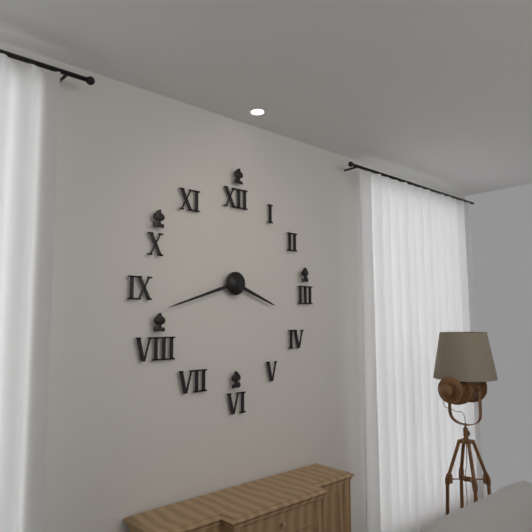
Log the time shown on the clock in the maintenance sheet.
3:42
